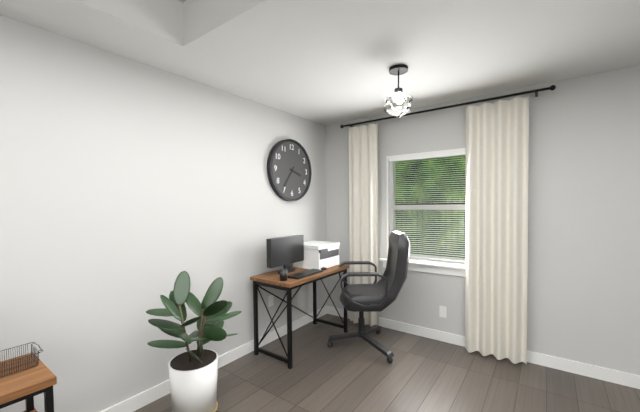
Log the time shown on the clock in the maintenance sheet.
3:36
